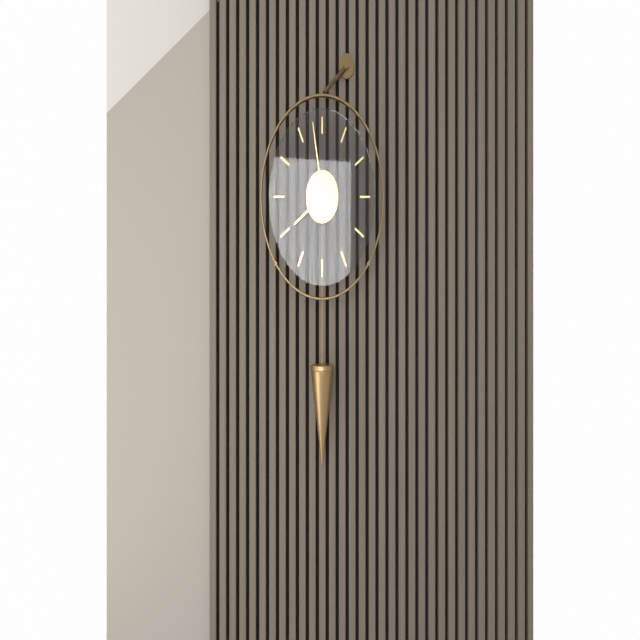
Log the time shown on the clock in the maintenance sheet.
7:58
